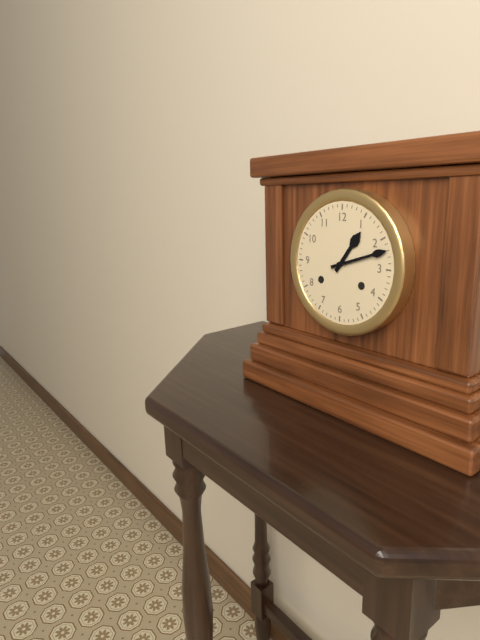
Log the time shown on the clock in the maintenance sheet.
1:12
